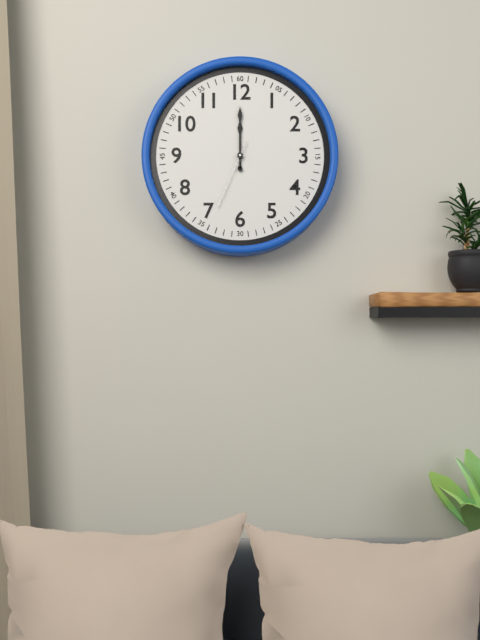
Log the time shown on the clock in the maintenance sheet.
12:00:34
